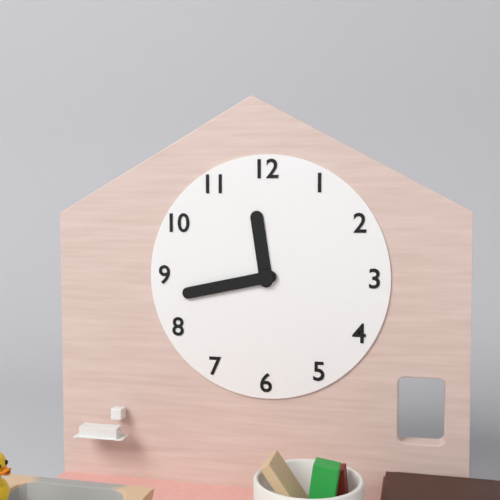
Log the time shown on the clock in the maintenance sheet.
11:43
